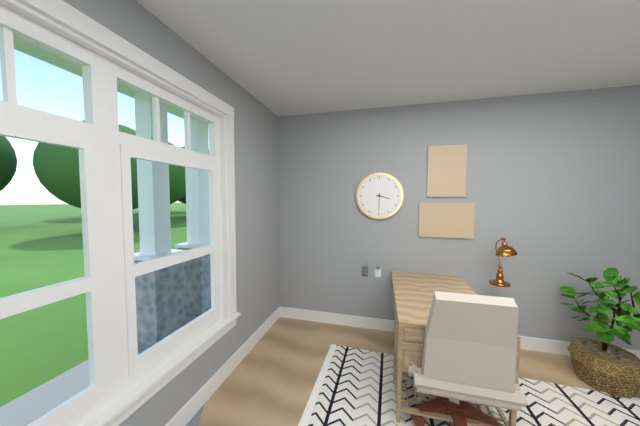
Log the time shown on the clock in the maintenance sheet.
3:30
